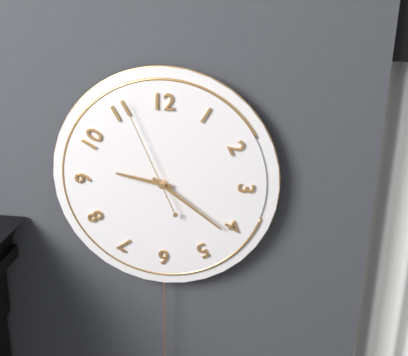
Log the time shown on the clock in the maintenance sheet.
9:21:56
